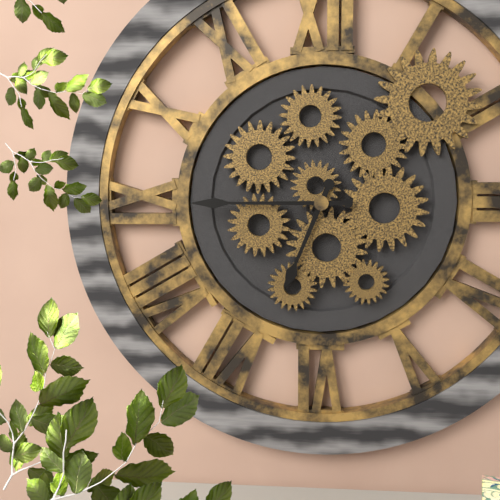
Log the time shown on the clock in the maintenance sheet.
6:45
